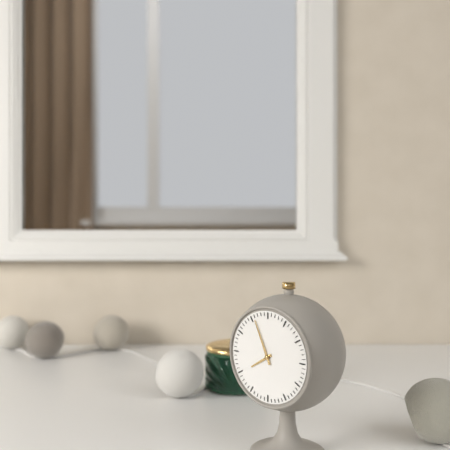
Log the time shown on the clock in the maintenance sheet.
7:56
